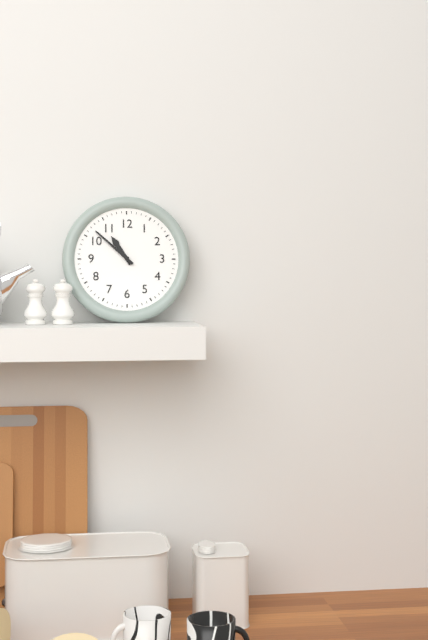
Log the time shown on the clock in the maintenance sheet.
10:52
